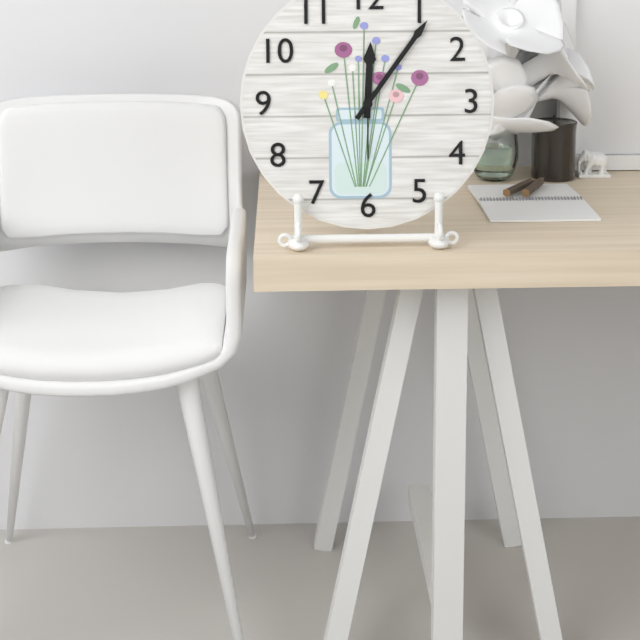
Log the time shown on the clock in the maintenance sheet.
12:06:30
